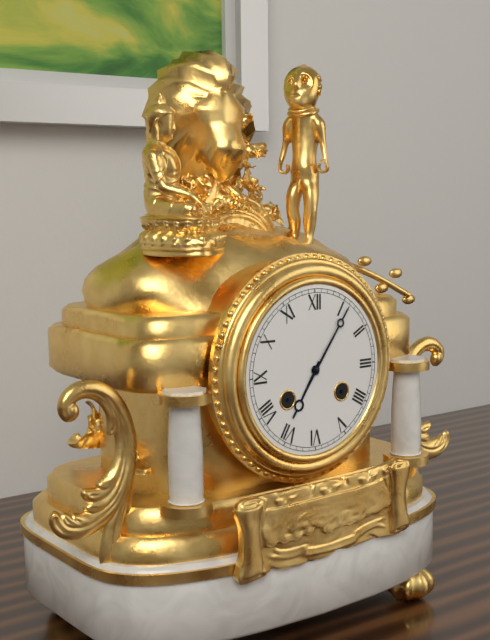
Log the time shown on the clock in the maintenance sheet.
7:06
